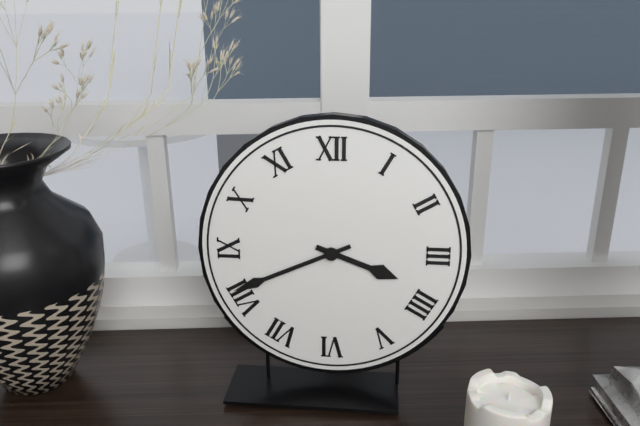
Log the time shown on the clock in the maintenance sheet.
3:41
